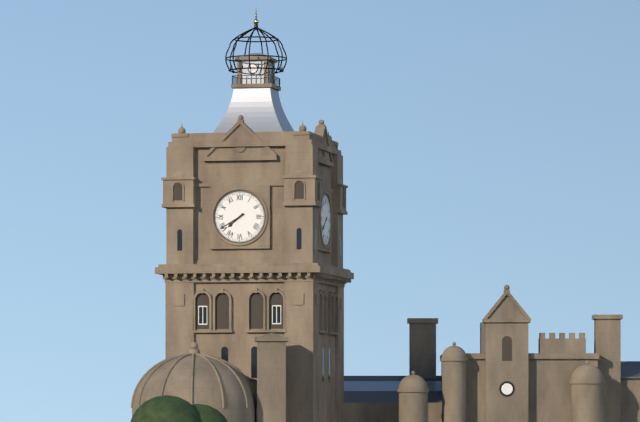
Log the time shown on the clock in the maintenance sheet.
7:40
